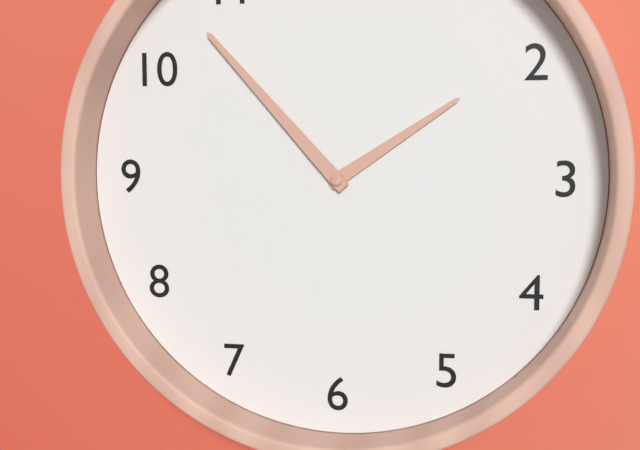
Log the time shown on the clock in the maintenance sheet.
1:53
